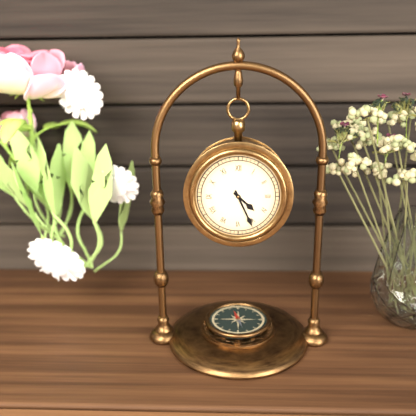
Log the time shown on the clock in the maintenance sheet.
4:26
